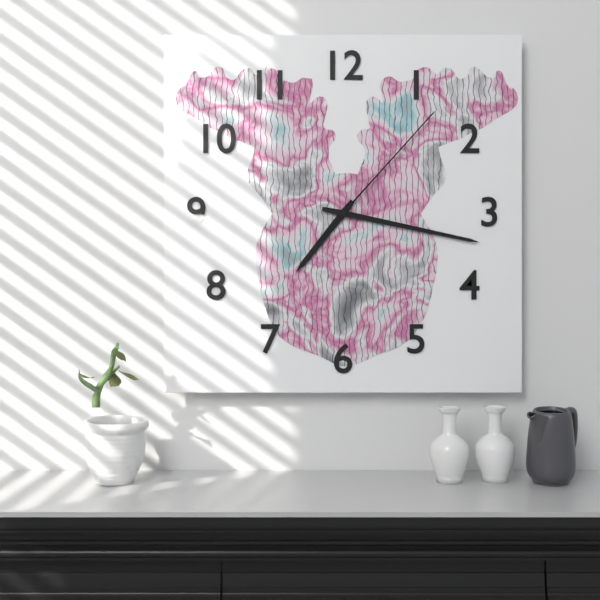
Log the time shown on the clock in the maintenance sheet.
7:17:07
